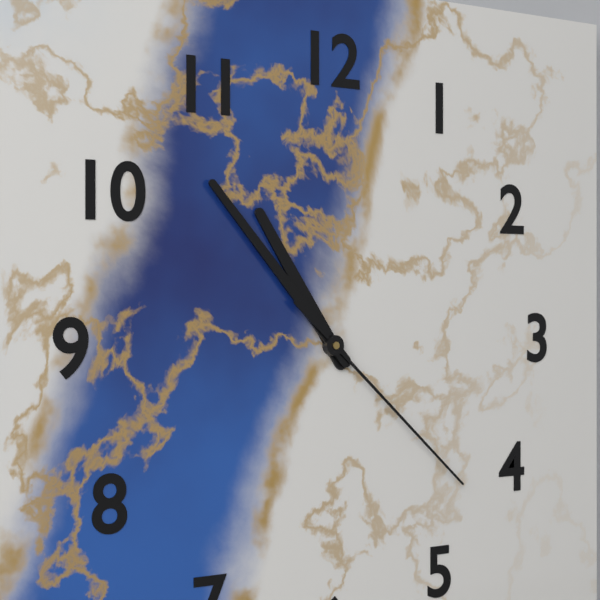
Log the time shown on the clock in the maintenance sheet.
10:53:22
